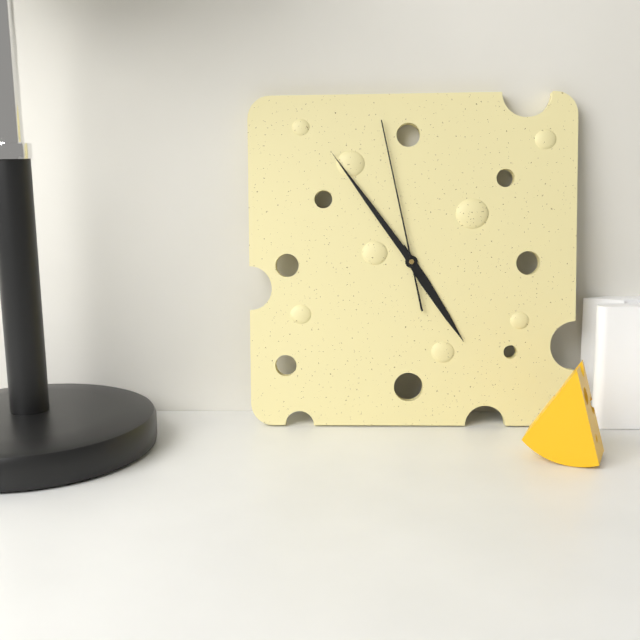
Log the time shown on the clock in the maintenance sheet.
4:54:58
